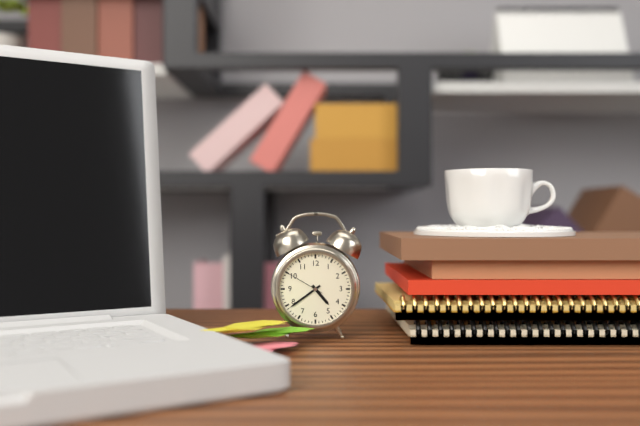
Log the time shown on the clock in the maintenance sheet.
4:39
